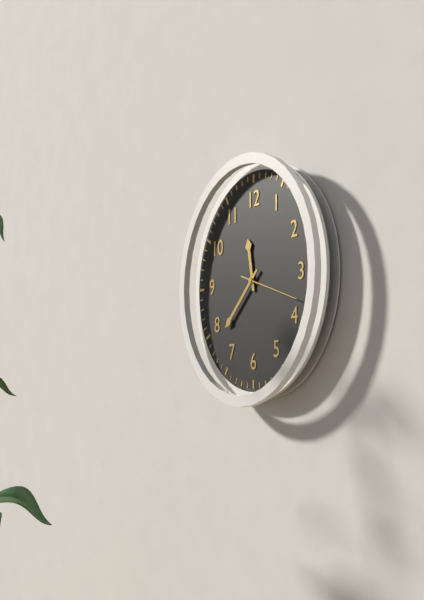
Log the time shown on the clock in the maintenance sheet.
11:38:18
